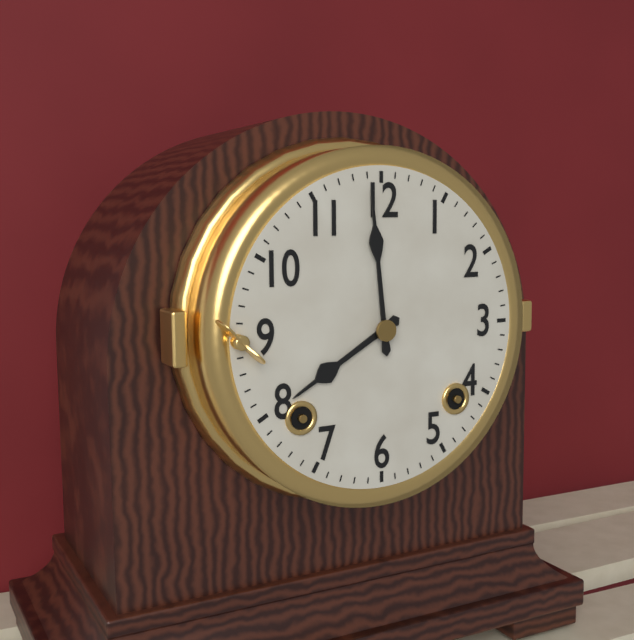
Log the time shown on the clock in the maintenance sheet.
7:59
